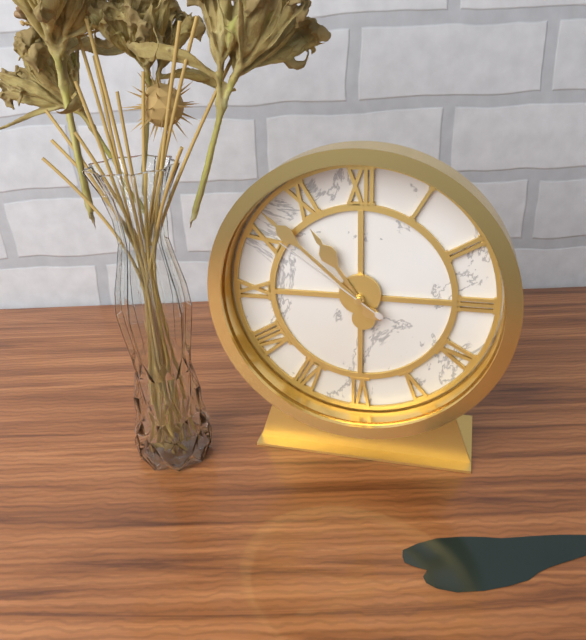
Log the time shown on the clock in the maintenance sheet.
10:52:51
